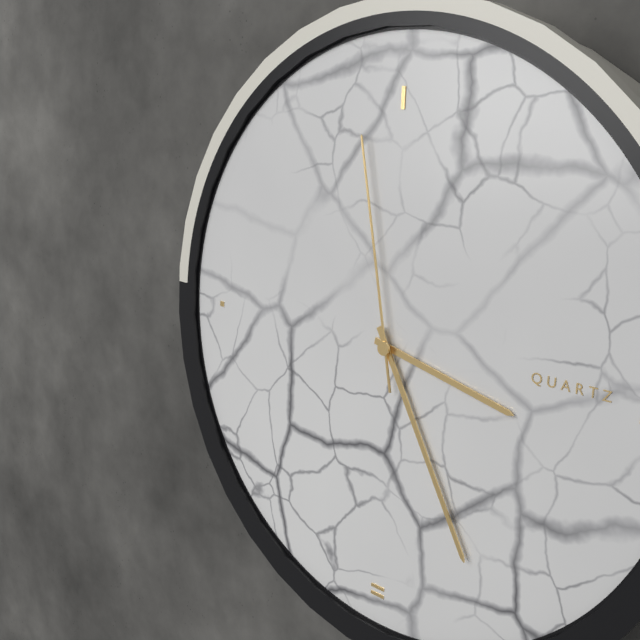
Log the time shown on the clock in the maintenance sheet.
3:25:58
